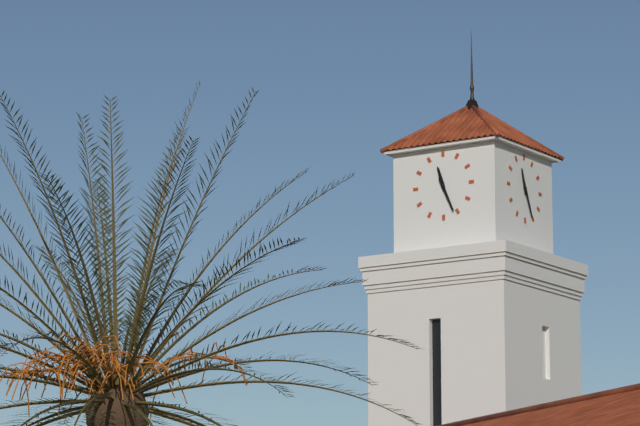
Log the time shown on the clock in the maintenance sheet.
11:26
